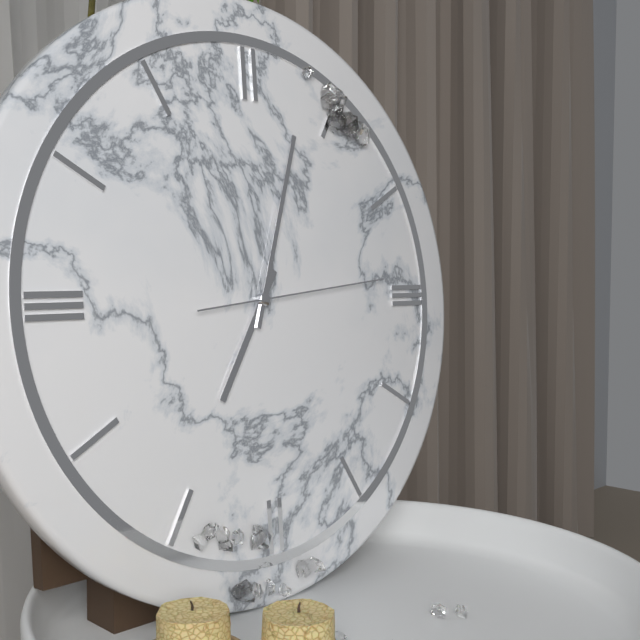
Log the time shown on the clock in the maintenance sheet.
7:03:14
